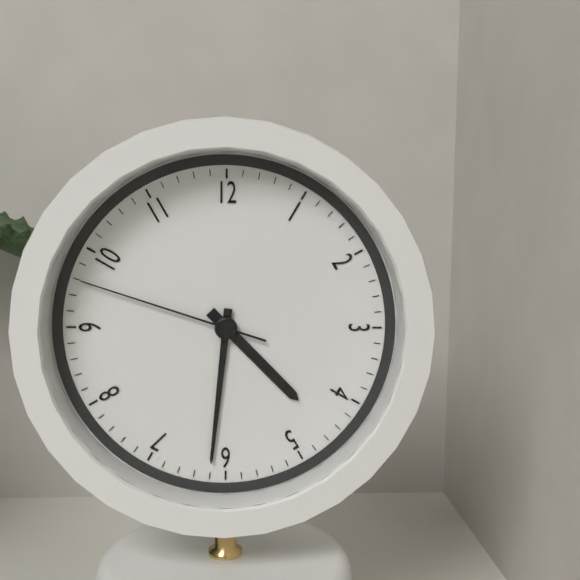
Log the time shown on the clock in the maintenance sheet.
4:31:48
